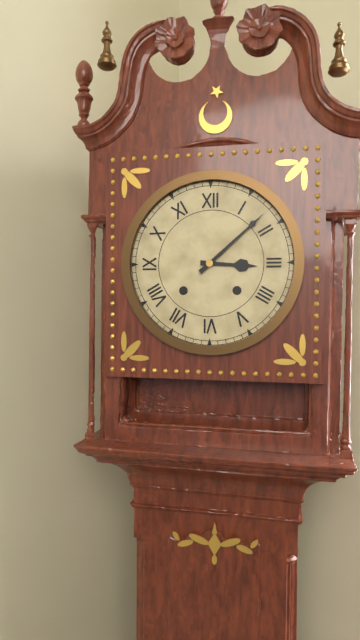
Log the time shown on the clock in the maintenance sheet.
3:08
